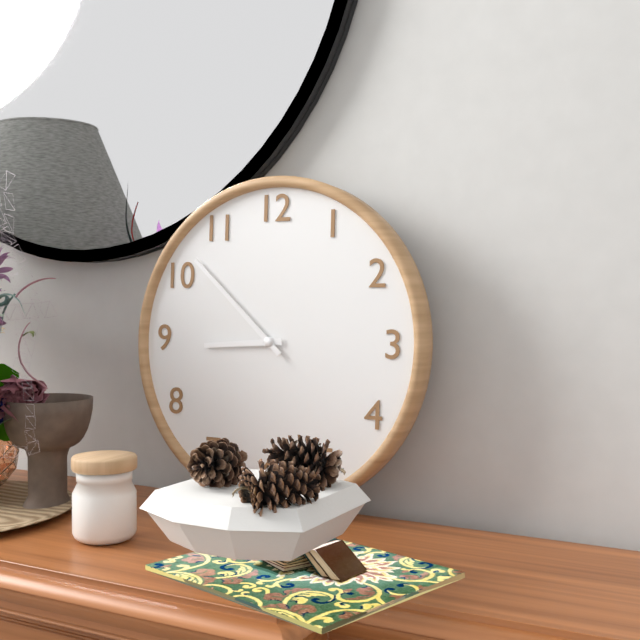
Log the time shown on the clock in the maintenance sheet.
8:52
